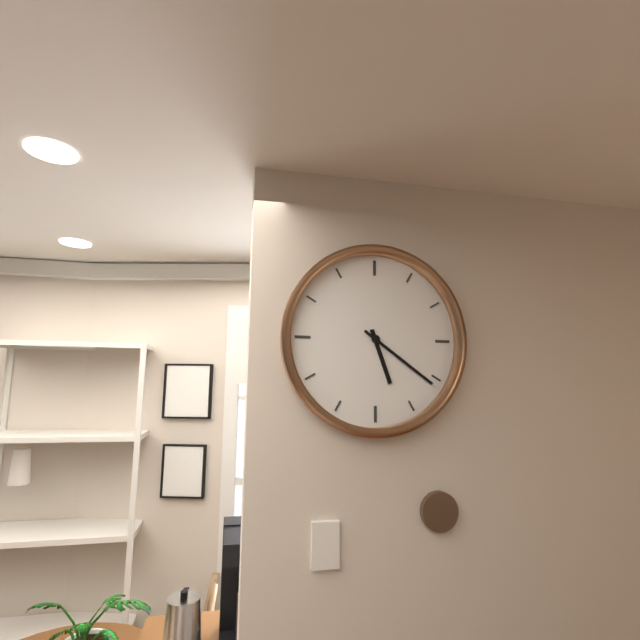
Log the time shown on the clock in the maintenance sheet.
5:21
